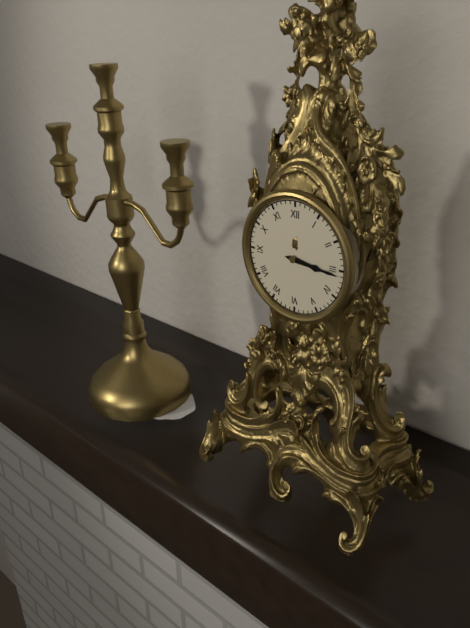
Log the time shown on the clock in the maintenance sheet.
3:16
